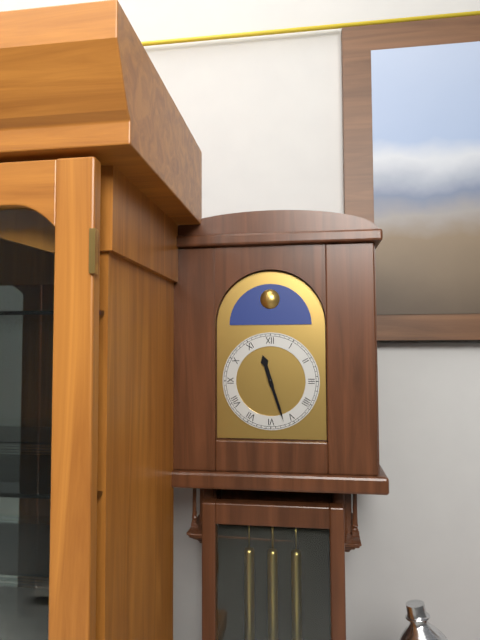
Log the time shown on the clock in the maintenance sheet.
11:27
